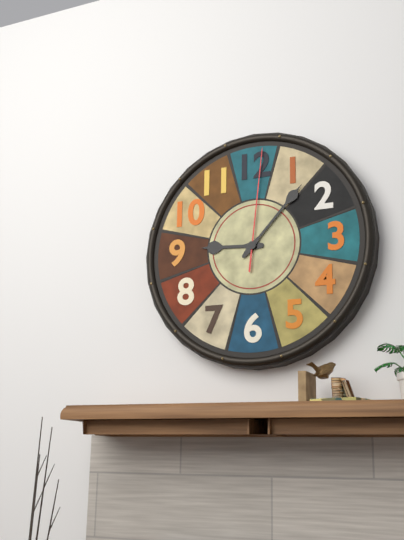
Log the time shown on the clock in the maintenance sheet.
9:07:01
